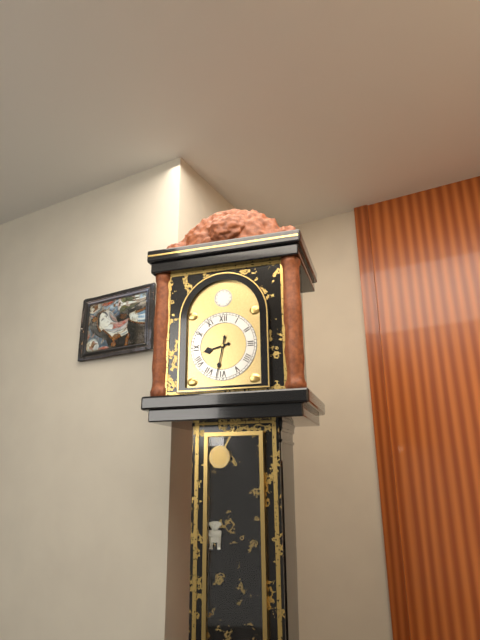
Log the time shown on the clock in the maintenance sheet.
8:32
